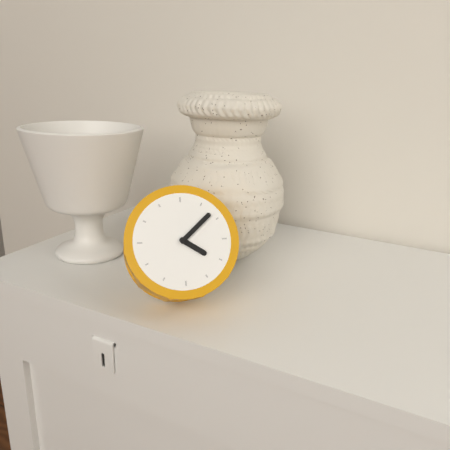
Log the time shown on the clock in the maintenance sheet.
4:08
